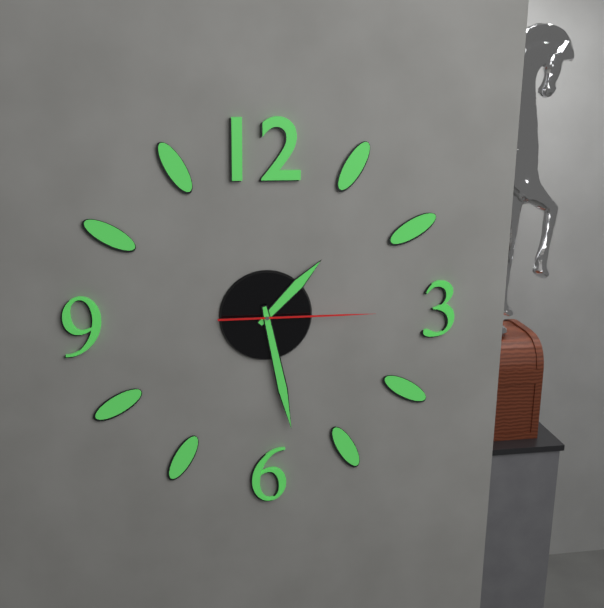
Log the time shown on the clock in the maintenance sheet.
1:28:15
